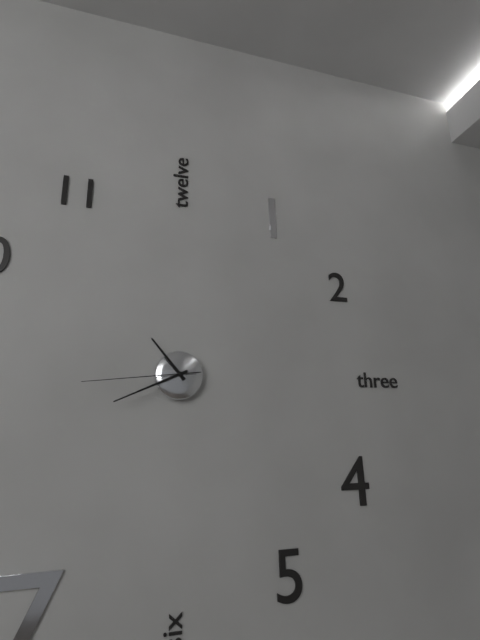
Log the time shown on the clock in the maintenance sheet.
10:41:44
